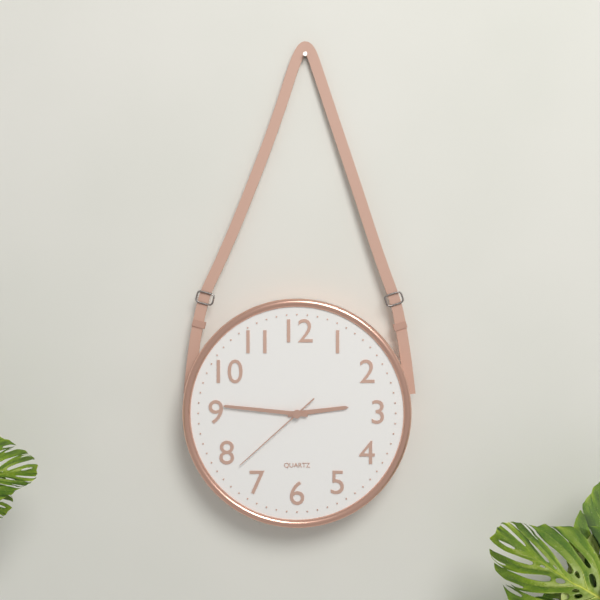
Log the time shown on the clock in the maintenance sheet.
2:46:38
